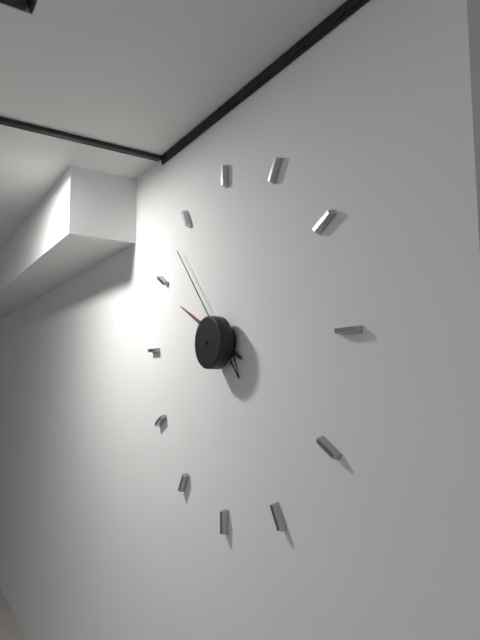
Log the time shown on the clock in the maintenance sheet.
9:53
